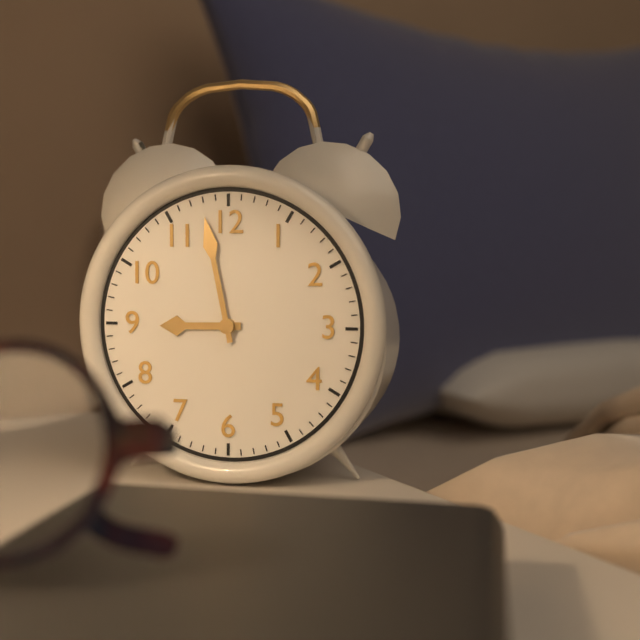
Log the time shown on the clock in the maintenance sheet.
8:58
